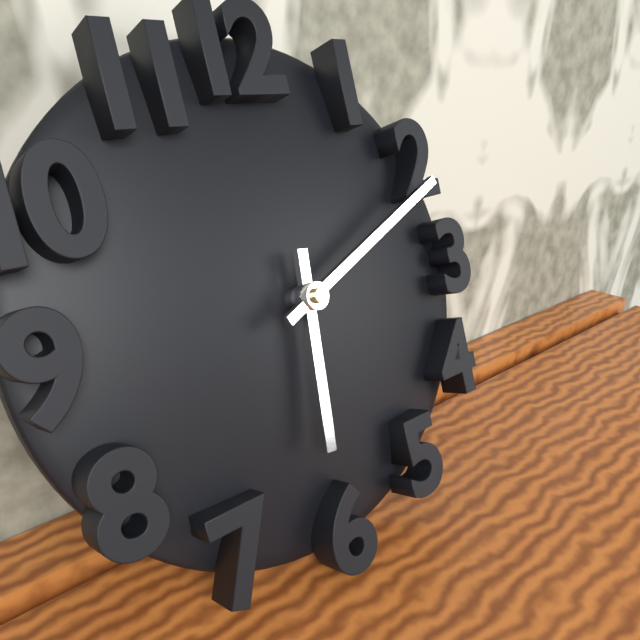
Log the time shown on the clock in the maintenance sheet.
6:11
